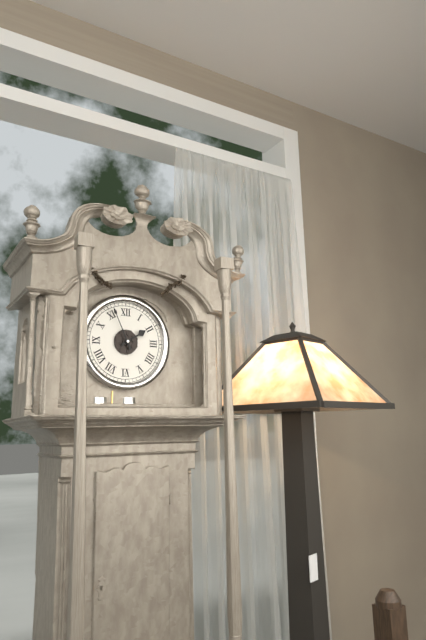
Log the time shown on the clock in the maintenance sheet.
1:56
